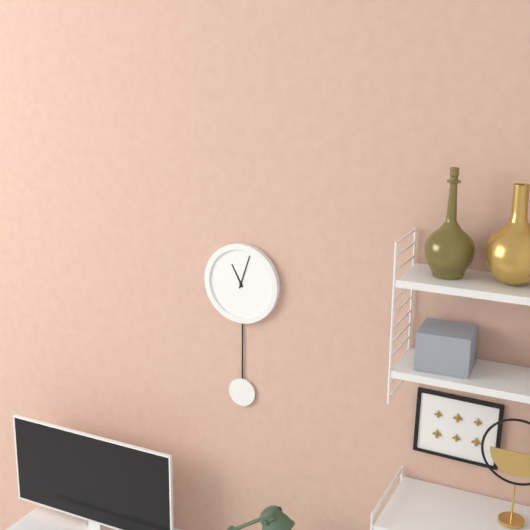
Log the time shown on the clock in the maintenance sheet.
11:03
